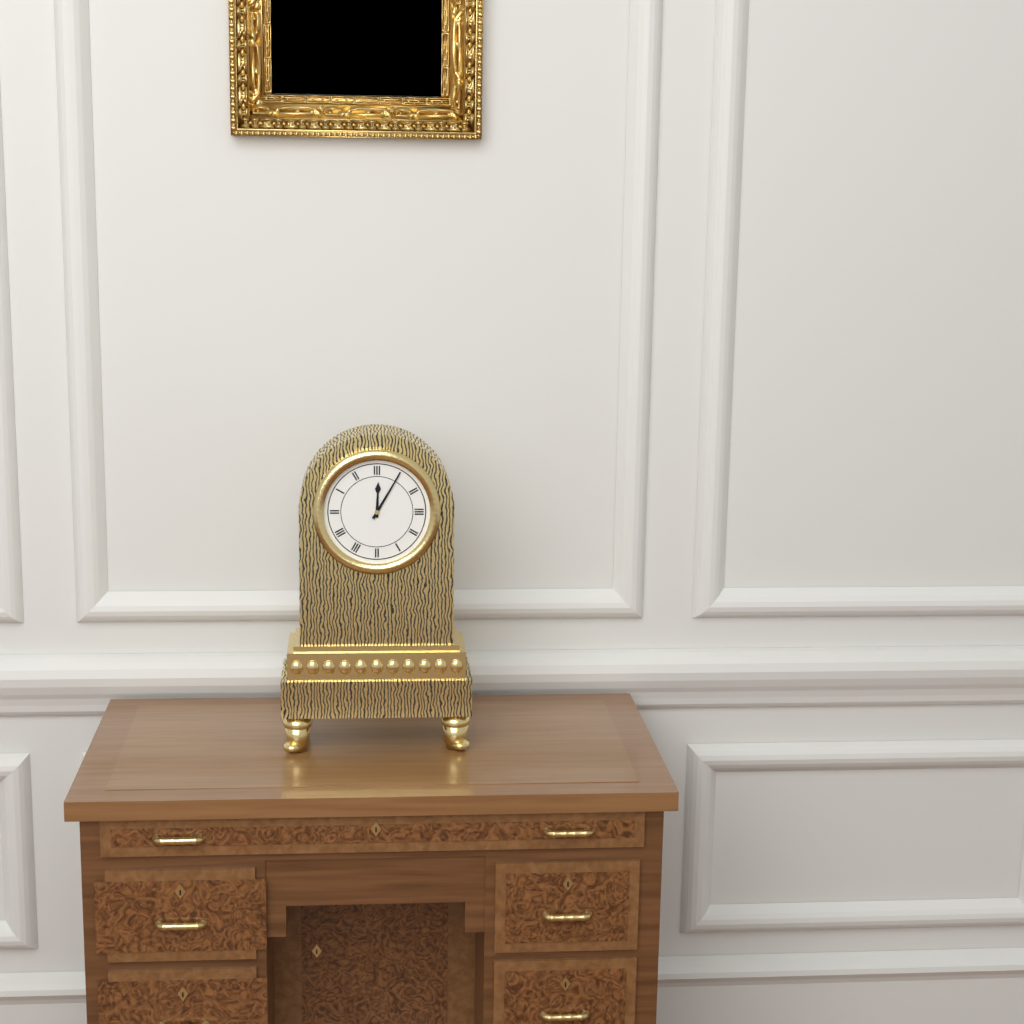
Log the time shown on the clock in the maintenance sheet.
12:05
